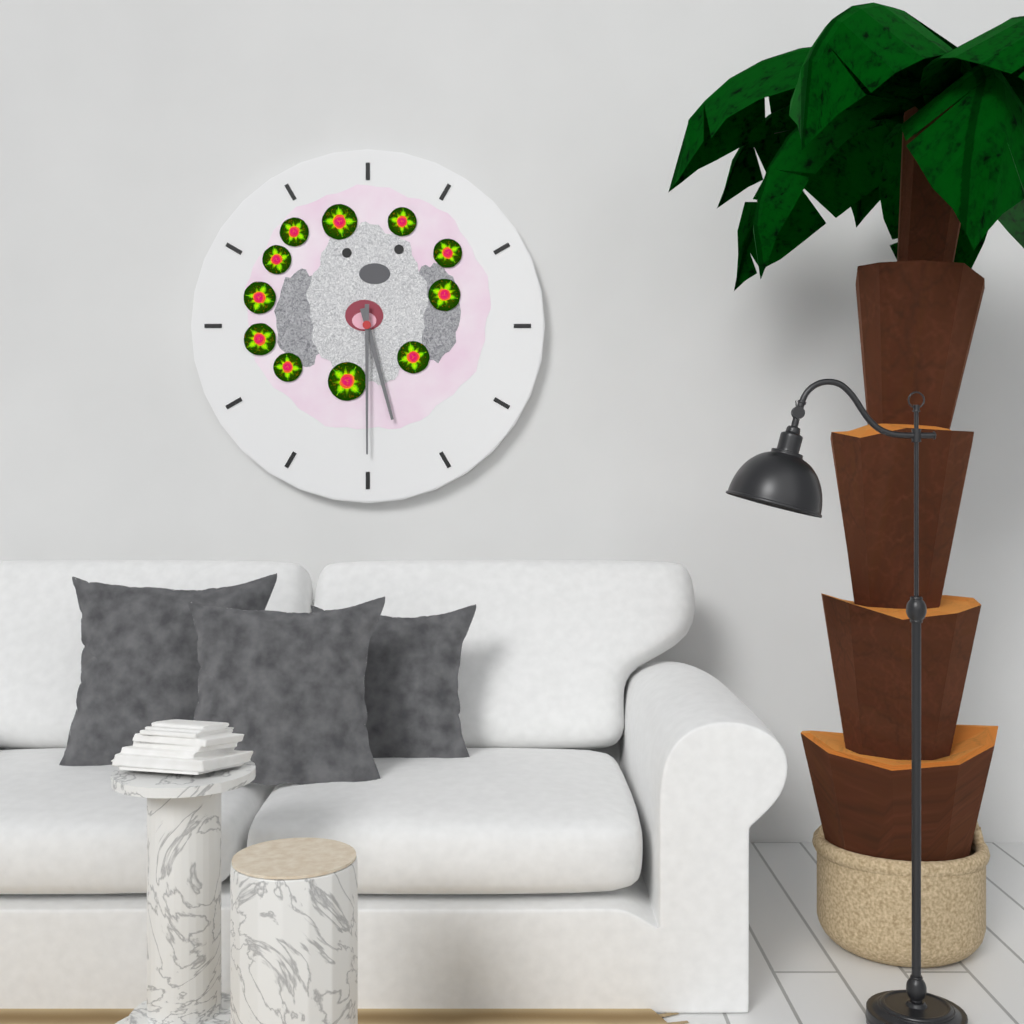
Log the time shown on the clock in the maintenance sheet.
5:30
